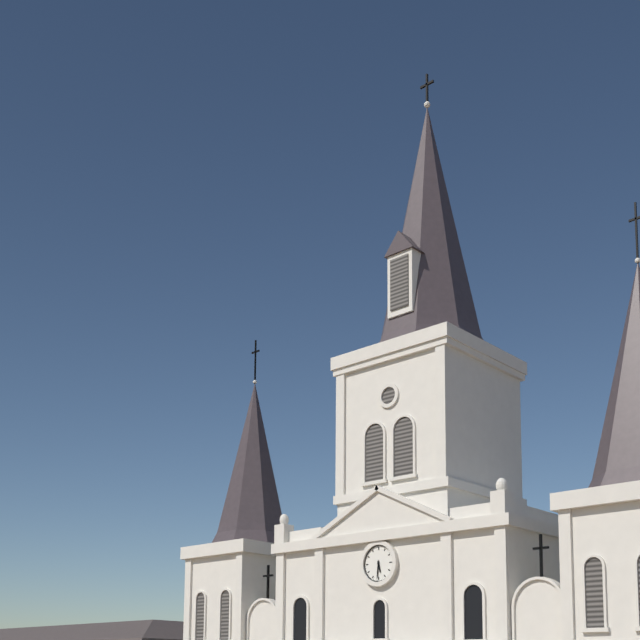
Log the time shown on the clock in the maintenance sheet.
5:31
